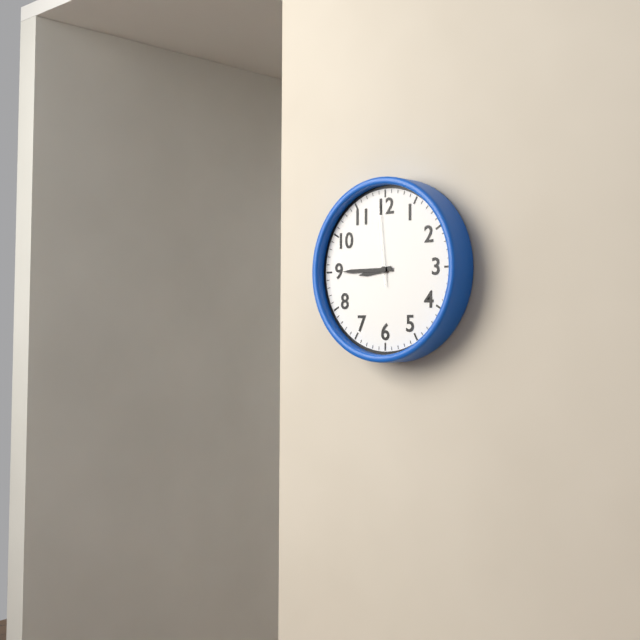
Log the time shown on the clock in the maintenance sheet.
8:45:59
